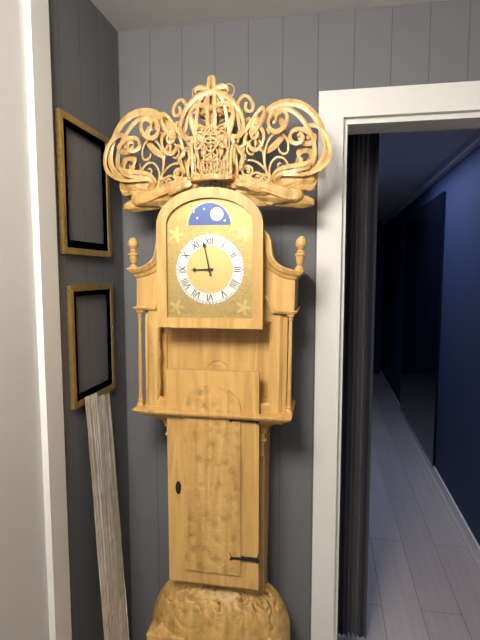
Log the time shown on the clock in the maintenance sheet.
8:58
